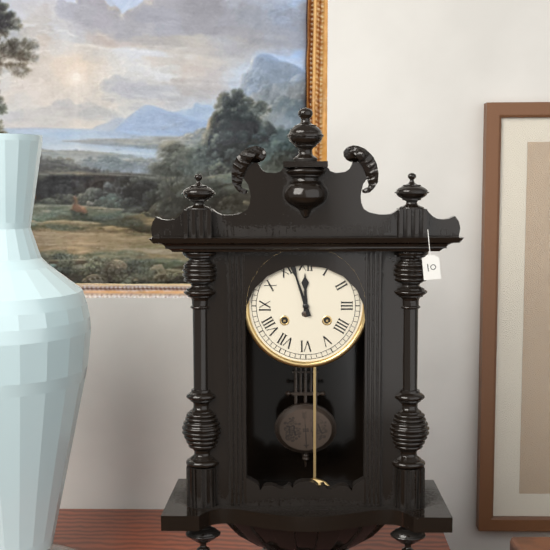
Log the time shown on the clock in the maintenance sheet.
11:57
